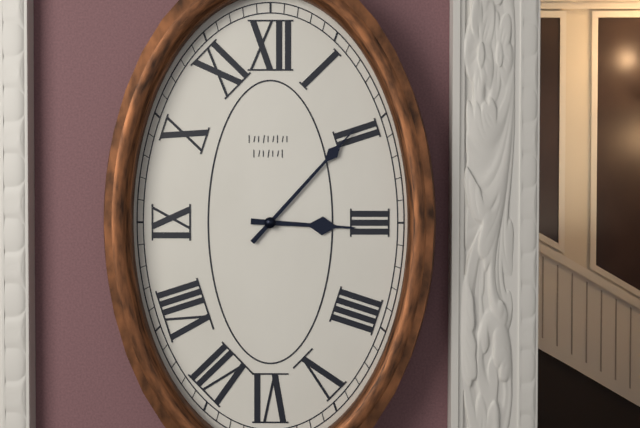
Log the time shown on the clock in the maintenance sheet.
3:07
